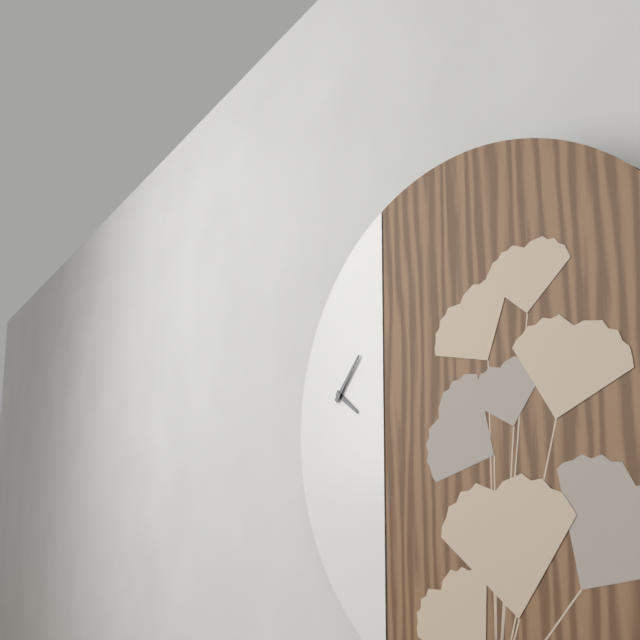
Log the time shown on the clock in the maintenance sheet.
4:07
